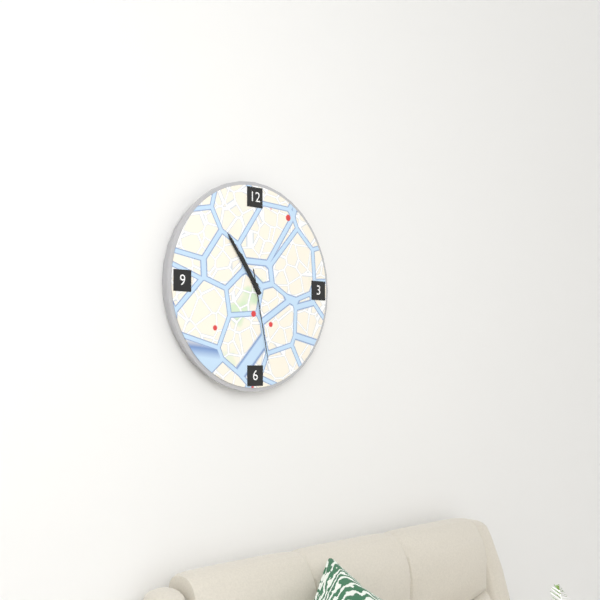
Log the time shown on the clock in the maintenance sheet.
10:54:28
